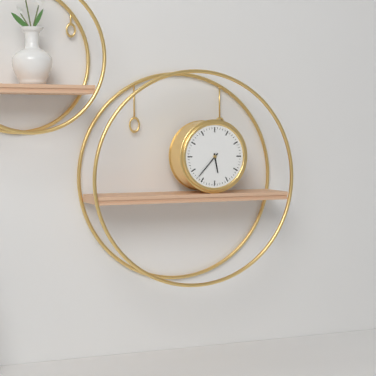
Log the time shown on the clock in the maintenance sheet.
5:37
